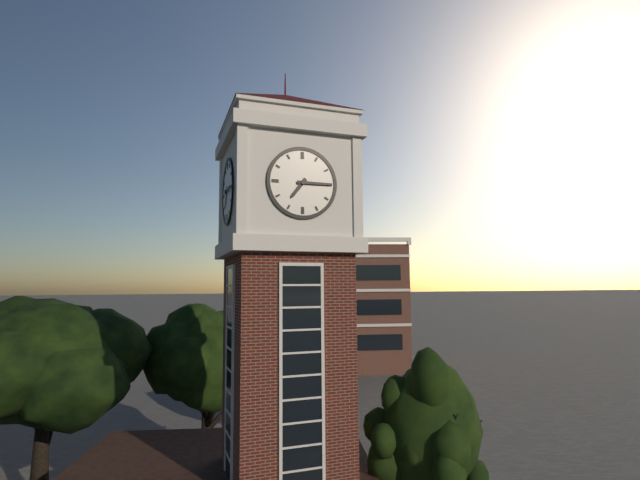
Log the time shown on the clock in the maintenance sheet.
7:15
